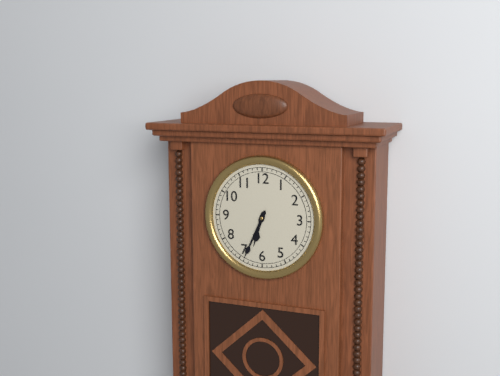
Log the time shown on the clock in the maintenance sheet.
6:34
